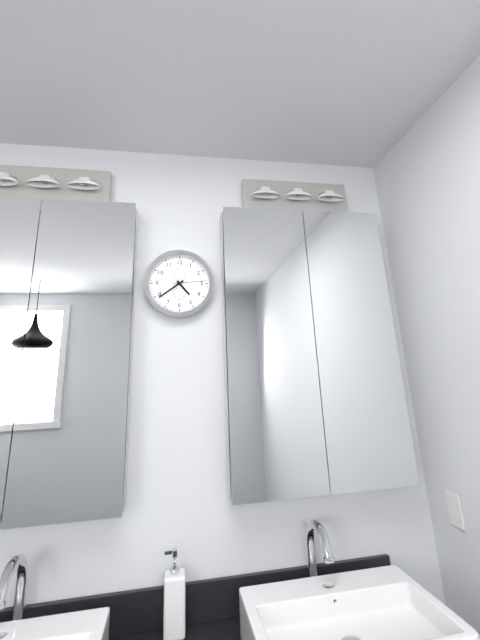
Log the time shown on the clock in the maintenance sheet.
4:39
